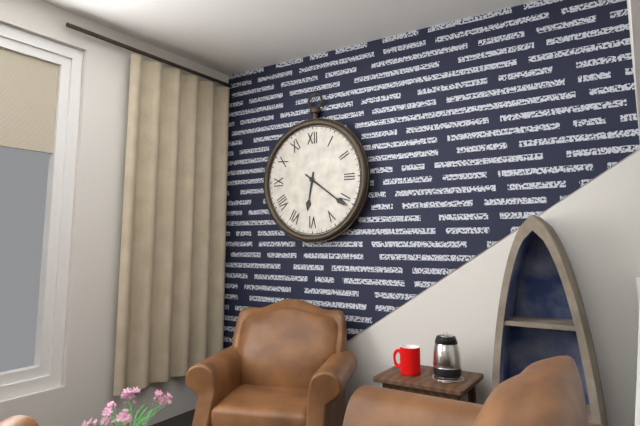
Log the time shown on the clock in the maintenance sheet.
6:21
